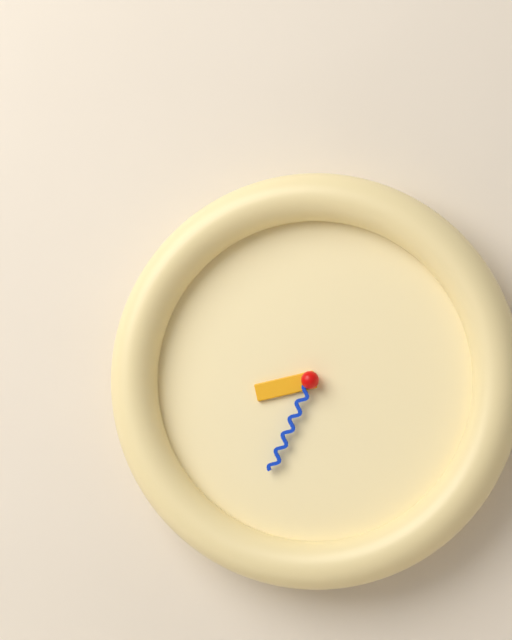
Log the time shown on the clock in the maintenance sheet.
8:34
